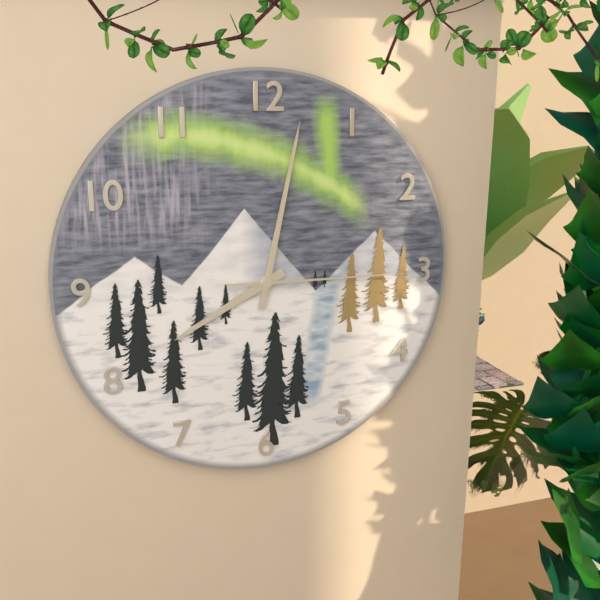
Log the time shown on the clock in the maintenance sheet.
8:02:15
